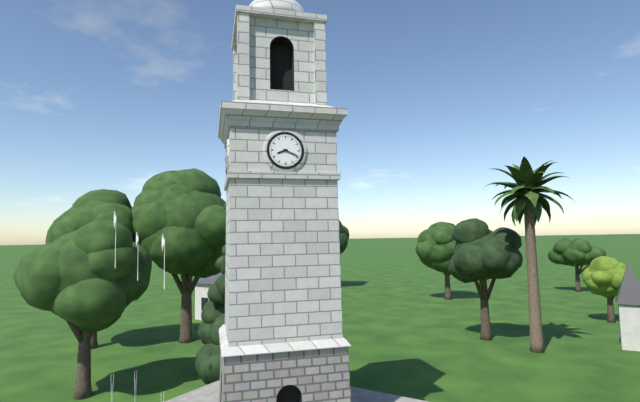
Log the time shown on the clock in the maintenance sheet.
8:19
